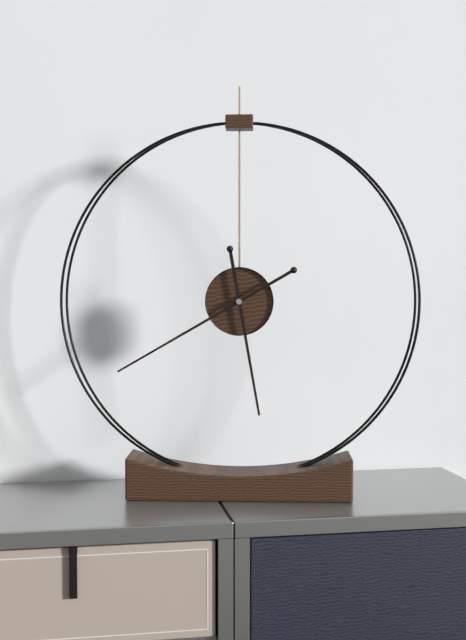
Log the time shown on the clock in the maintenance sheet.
5:40
